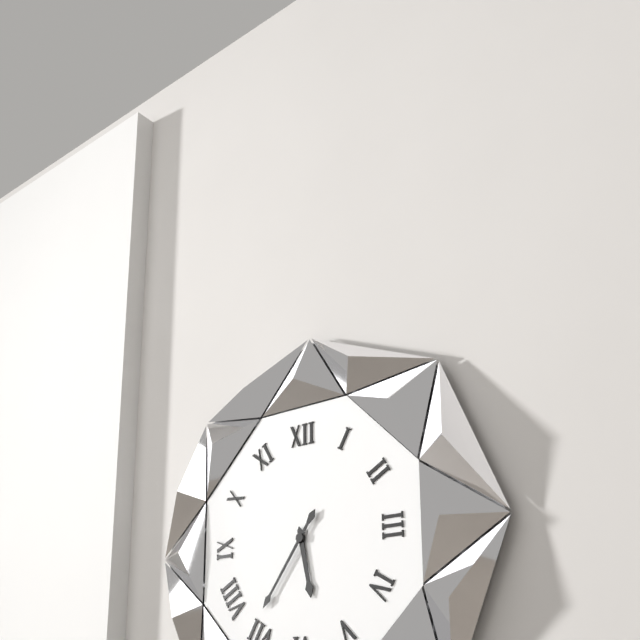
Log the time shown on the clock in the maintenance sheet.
5:36
